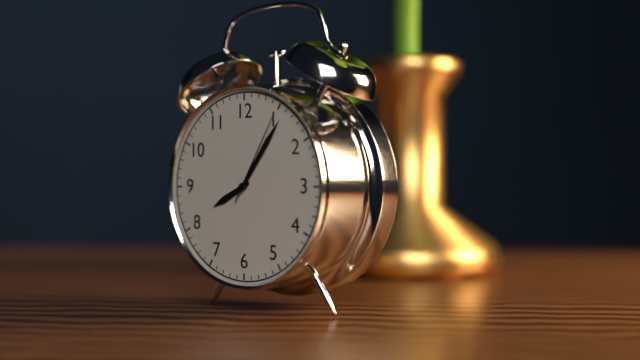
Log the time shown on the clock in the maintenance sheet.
8:06:05
